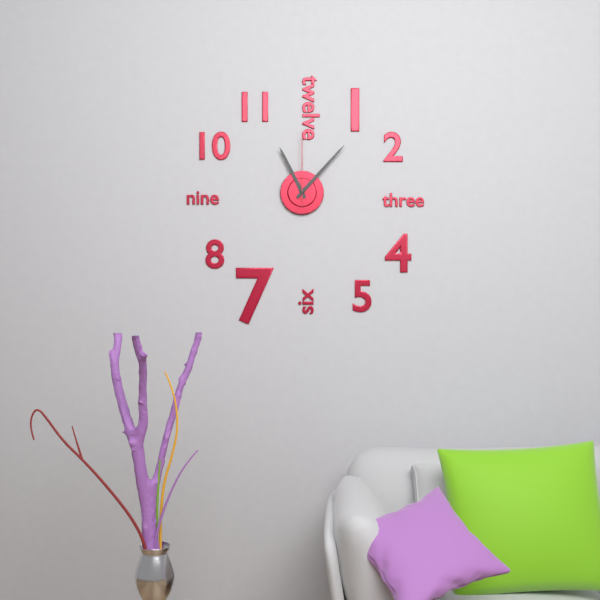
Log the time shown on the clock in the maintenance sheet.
11:07:00
